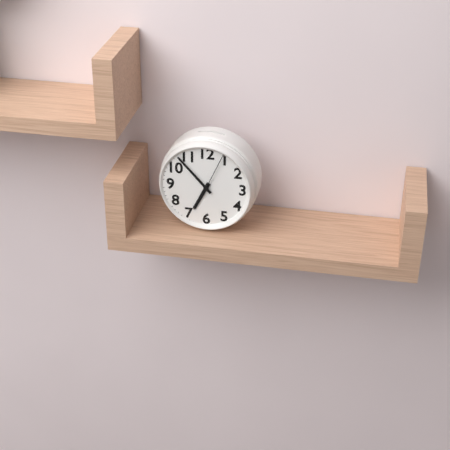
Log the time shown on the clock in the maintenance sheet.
6:53
